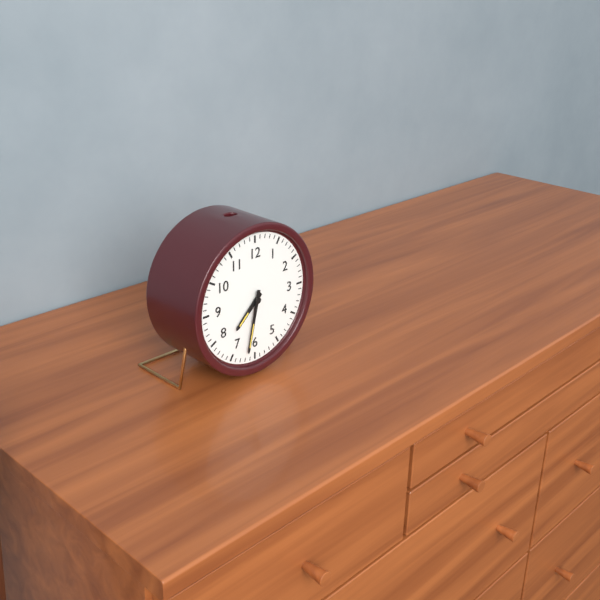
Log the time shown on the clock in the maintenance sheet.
7:32
